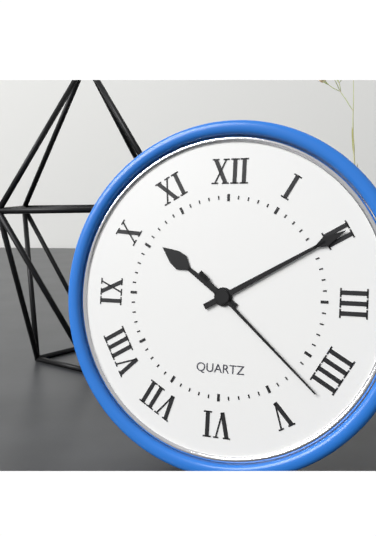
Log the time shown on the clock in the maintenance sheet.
10:10:22
